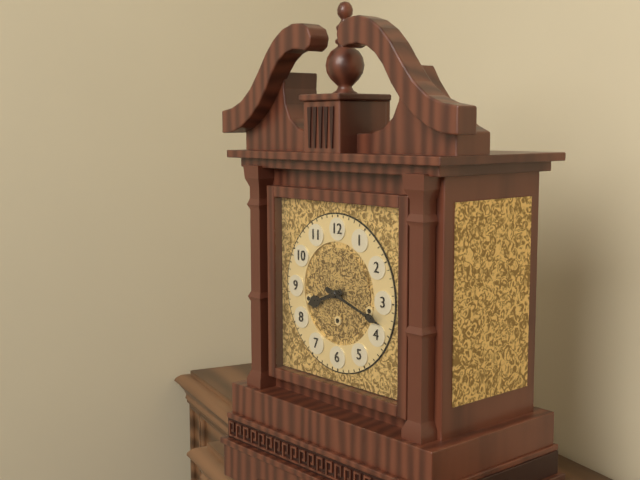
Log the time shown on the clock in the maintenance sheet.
8:18
